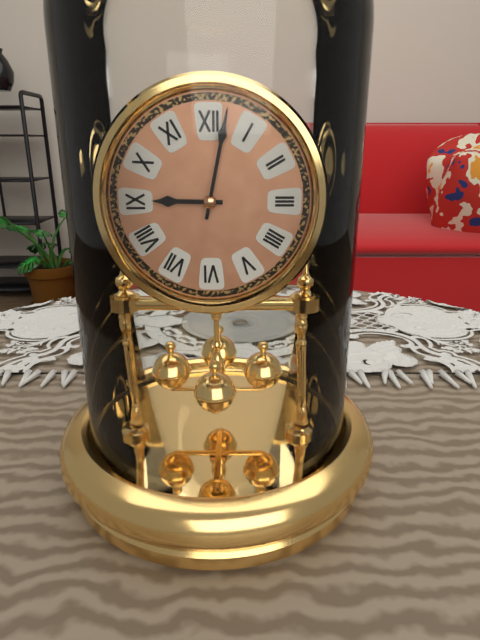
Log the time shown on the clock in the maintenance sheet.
9:02
